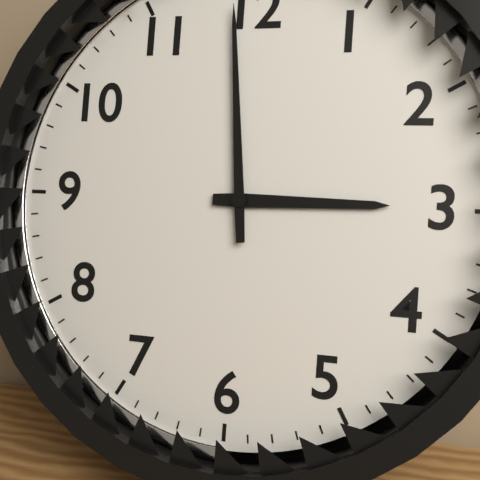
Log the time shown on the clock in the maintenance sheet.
2:59
